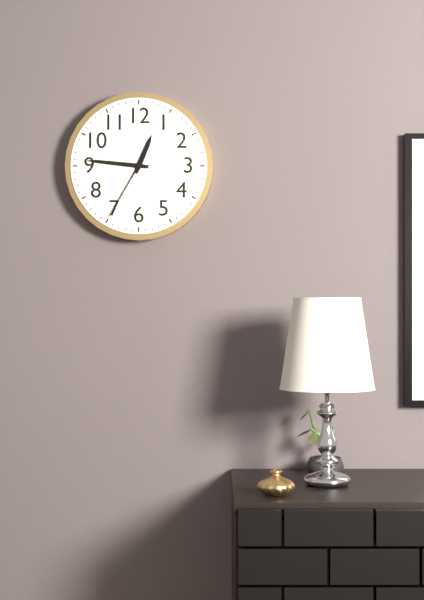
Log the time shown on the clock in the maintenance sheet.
12:46:35
